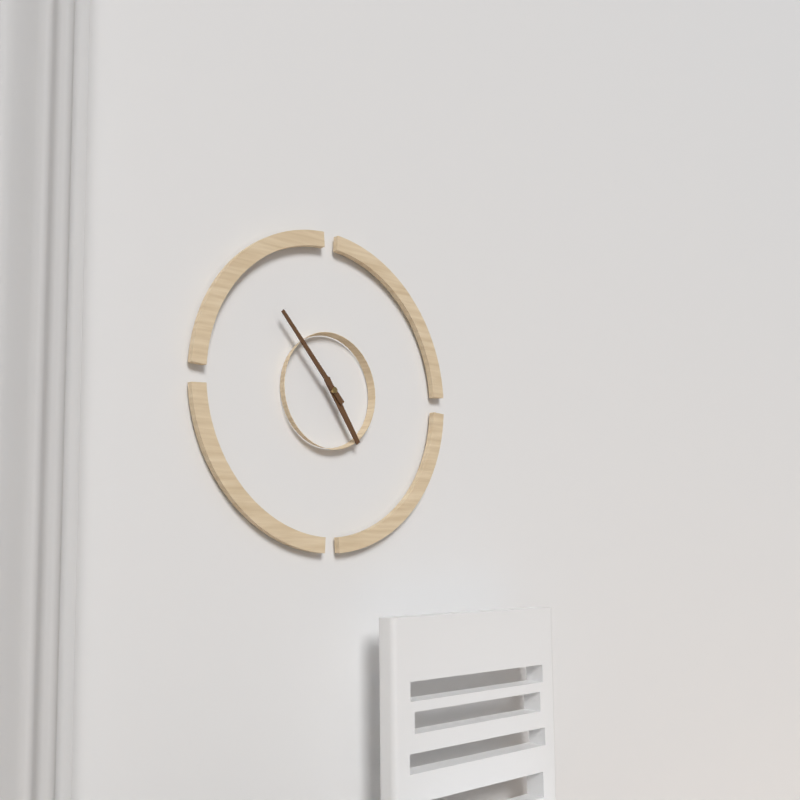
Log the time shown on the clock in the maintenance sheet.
4:53
